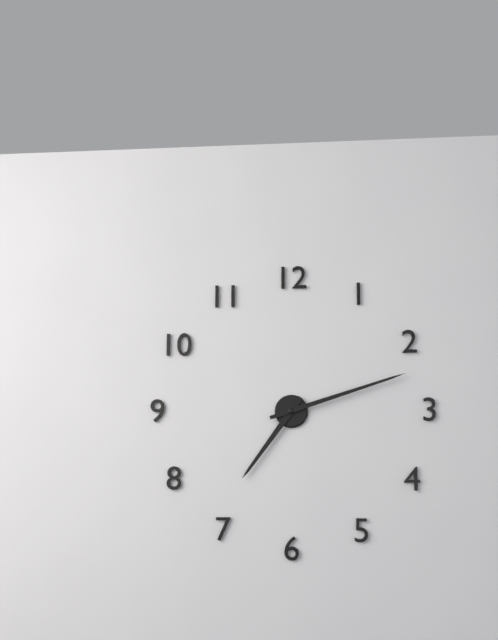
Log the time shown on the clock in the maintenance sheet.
7:12
